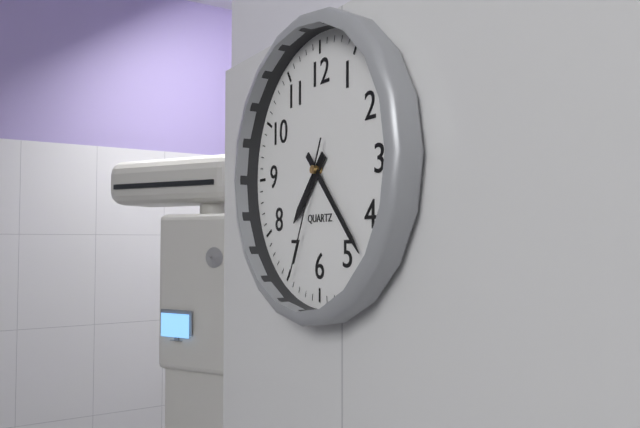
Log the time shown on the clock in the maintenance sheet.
7:23:34
